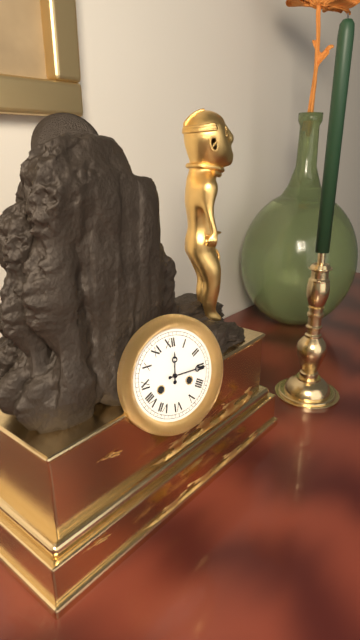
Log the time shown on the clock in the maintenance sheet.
12:15
